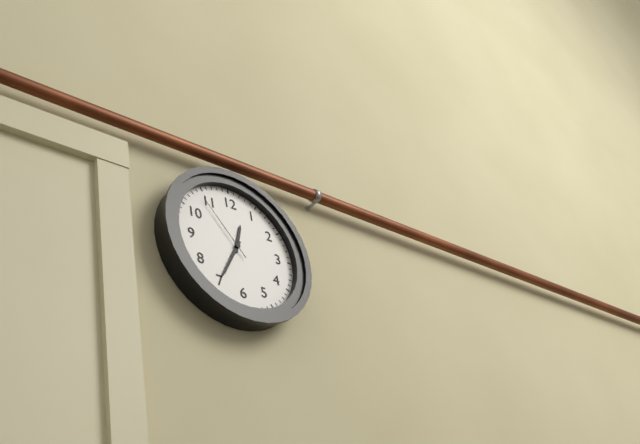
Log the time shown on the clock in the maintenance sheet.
12:35:54
